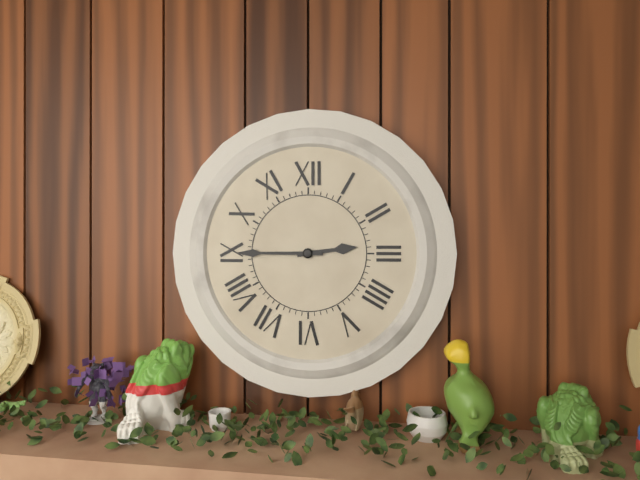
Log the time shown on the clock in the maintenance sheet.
2:45
